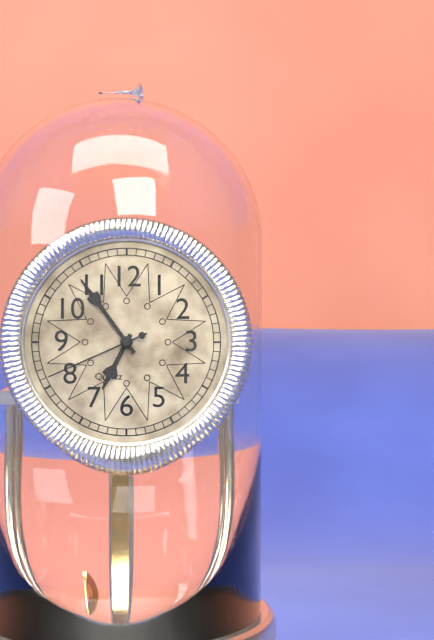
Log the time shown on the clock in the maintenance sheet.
6:54:41
